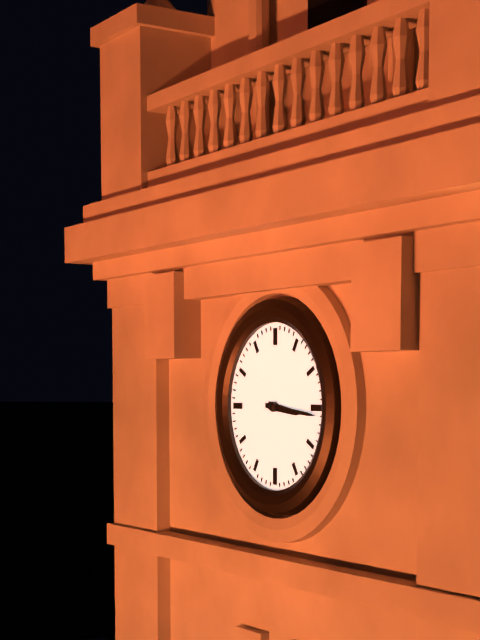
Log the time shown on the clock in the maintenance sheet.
3:16
